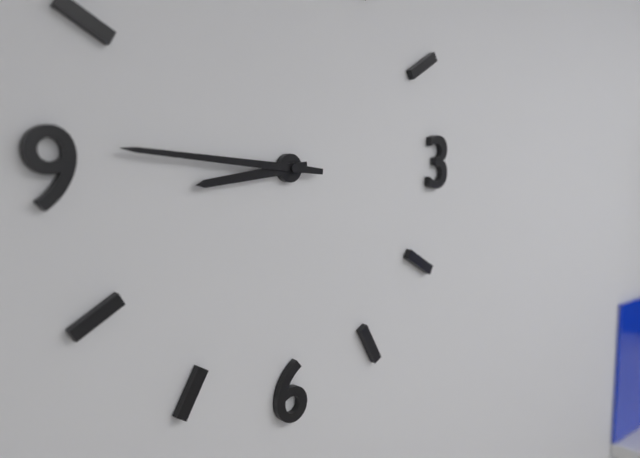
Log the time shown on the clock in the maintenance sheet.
8:46
